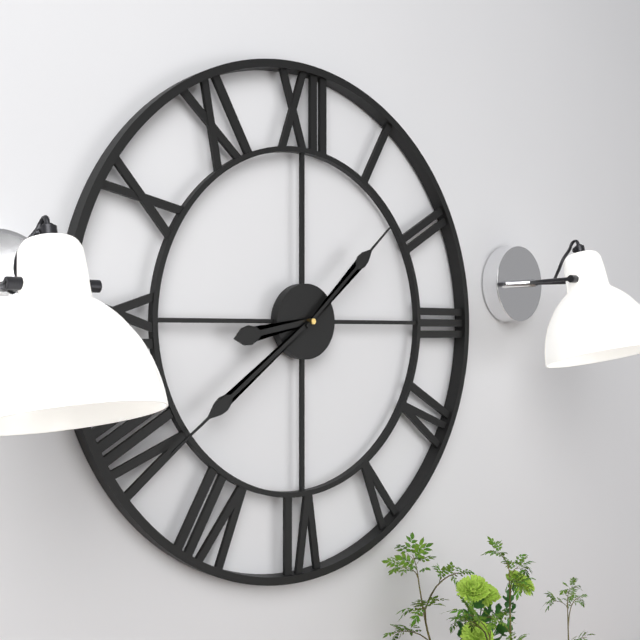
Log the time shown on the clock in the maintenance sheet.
8:39:08
